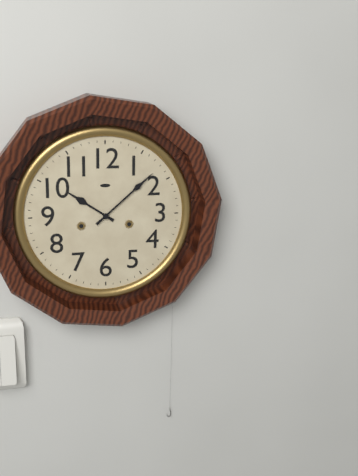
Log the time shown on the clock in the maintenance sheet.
10:08
